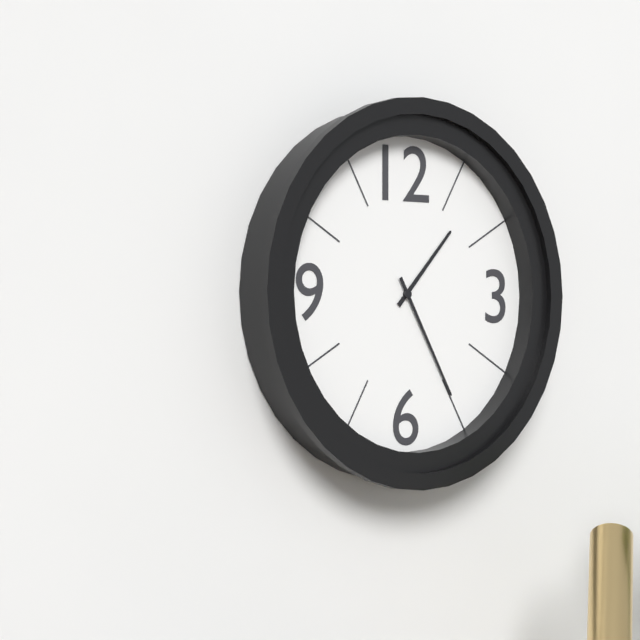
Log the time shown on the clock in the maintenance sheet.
1:25
